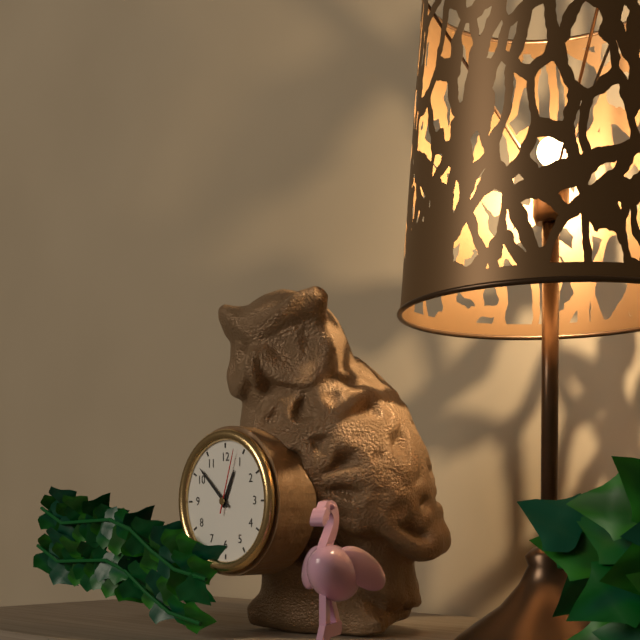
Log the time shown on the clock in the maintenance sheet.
12:52:03
